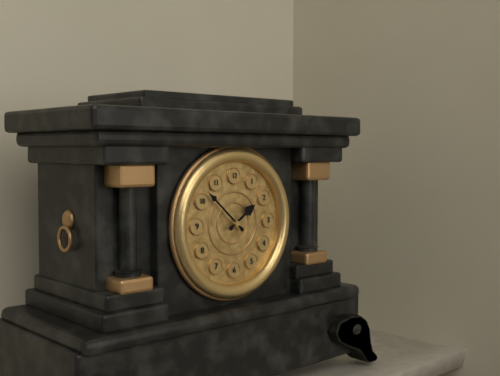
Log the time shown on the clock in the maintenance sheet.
1:52
